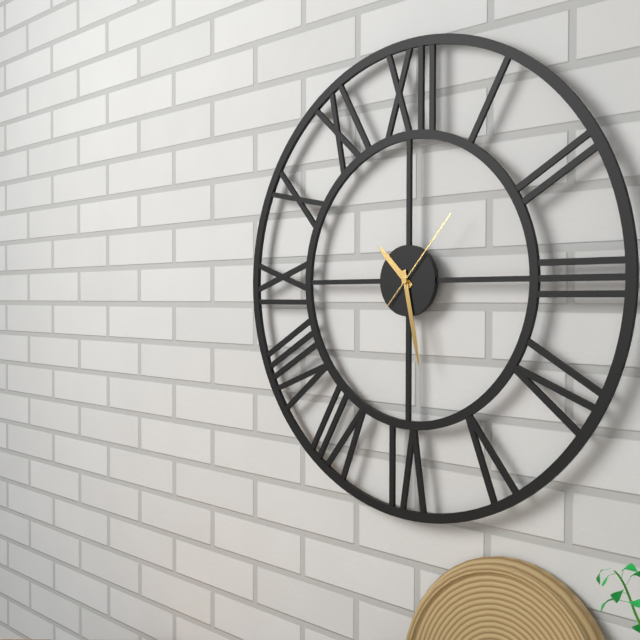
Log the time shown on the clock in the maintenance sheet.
10:28:07
